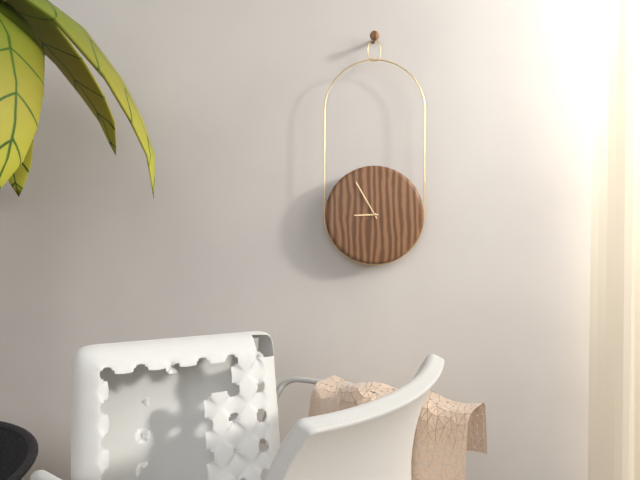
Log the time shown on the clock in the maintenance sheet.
8:55
